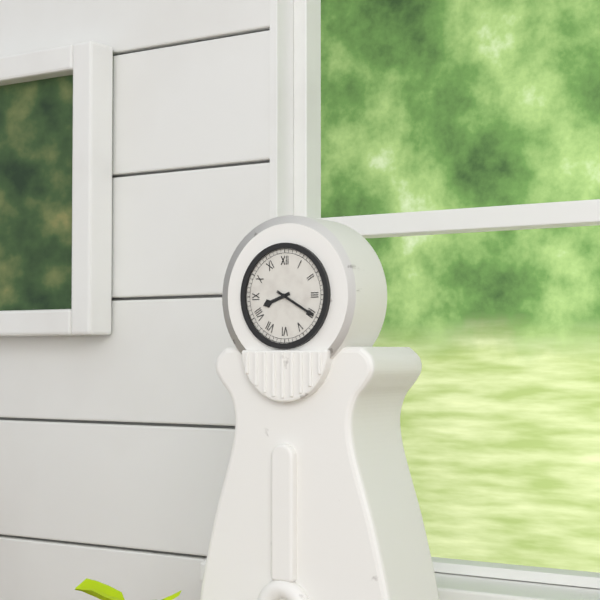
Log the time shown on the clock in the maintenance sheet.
8:20
